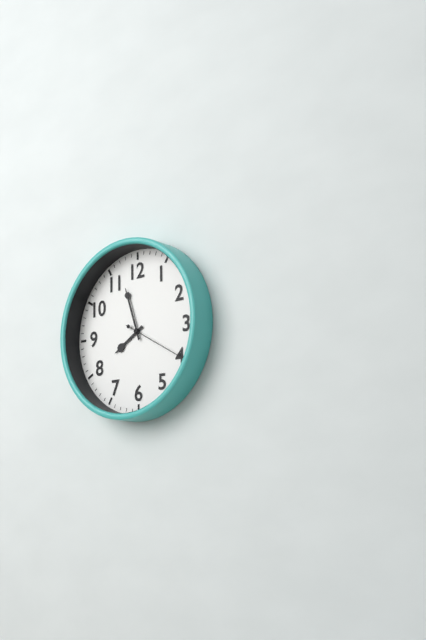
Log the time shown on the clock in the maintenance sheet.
7:57:20
